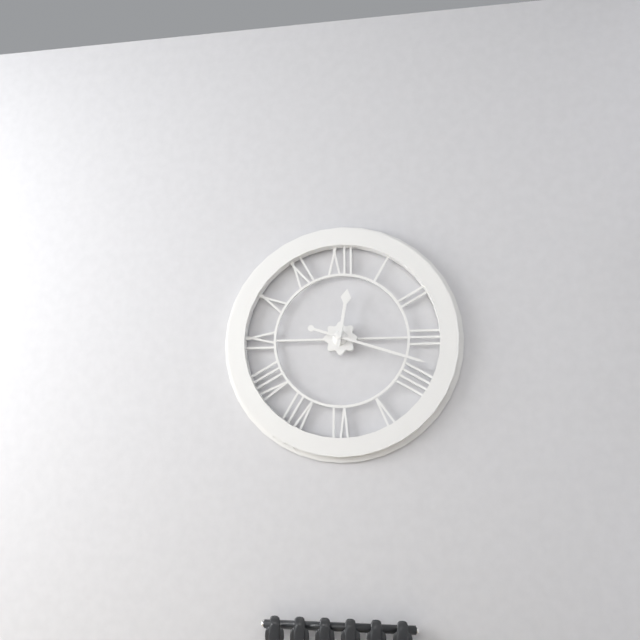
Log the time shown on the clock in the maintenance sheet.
12:18
